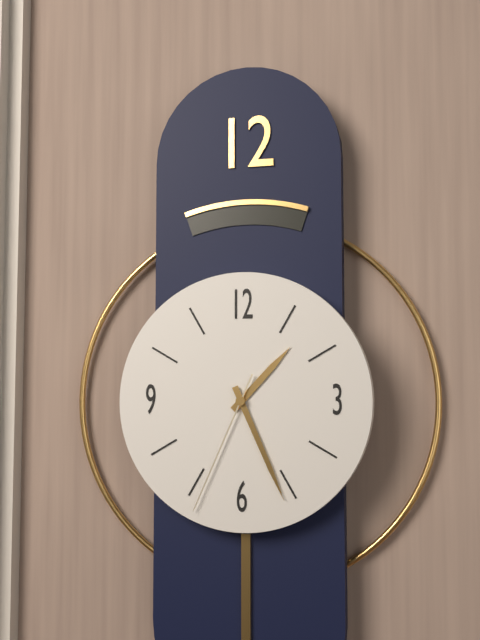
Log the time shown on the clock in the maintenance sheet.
1:26:34
